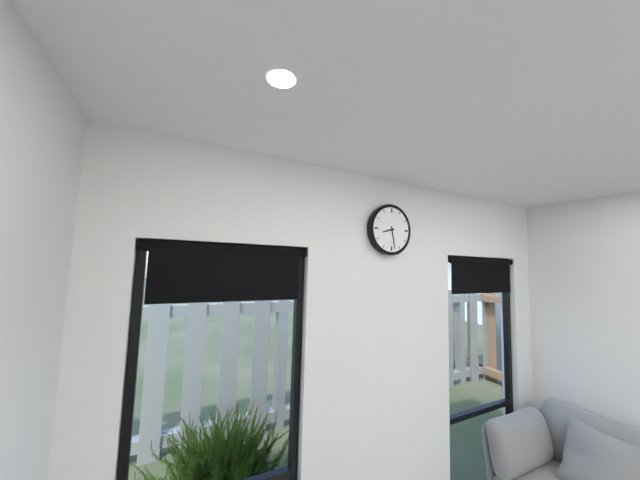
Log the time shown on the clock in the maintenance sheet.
8:28
